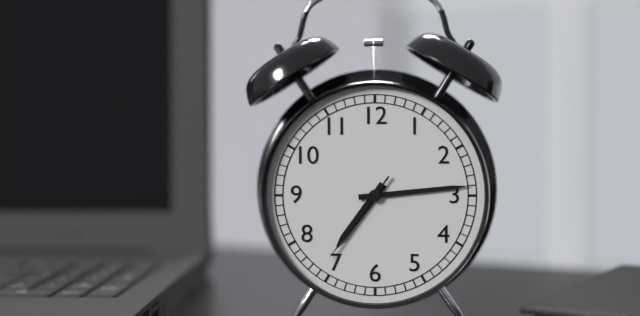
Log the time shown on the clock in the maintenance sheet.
7:14:36
